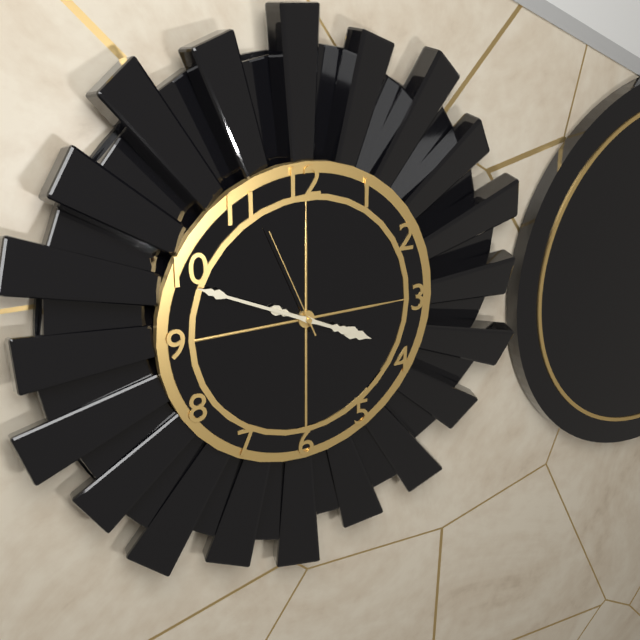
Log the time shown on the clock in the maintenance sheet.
3:49:56
